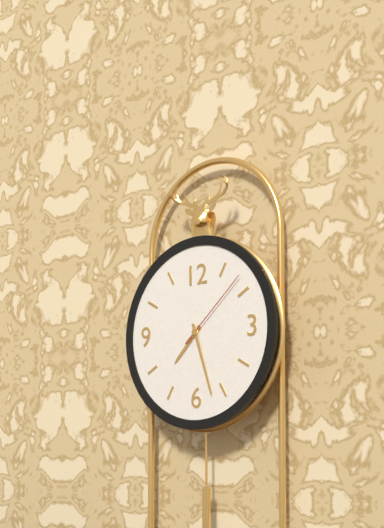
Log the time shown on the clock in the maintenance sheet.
7:27:08
